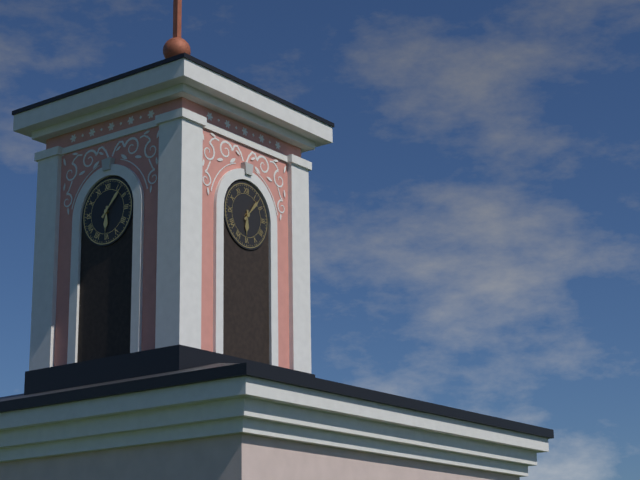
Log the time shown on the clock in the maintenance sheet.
6:07
